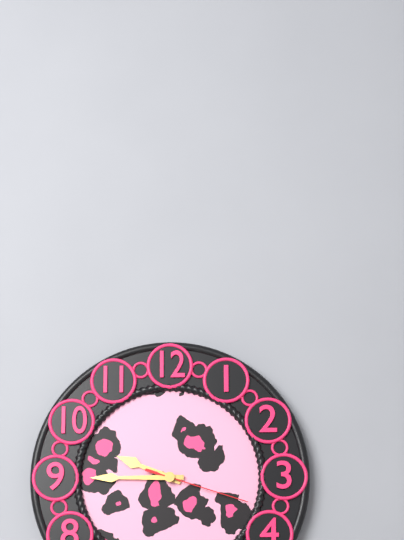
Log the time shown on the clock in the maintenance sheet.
9:45:18
